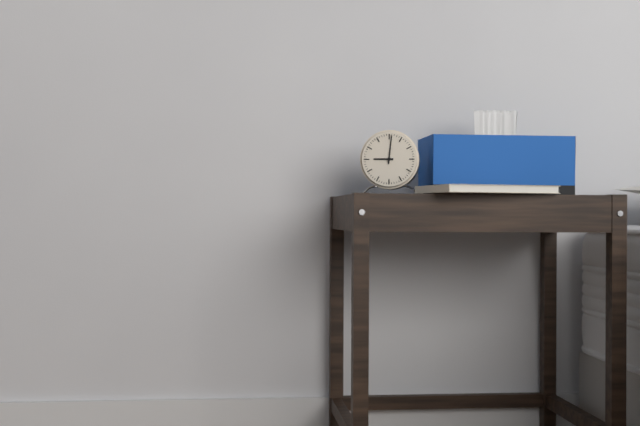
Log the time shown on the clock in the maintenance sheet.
9:01
